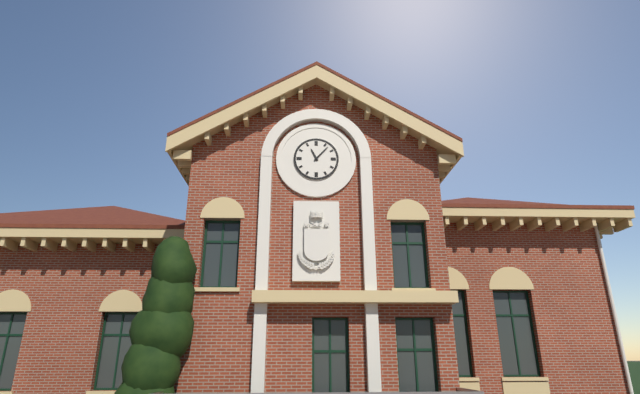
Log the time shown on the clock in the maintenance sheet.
11:07
